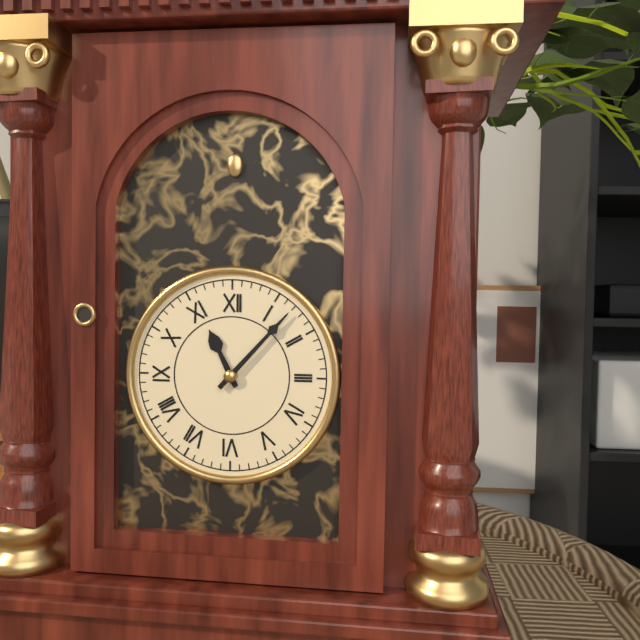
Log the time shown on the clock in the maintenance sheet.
11:07
